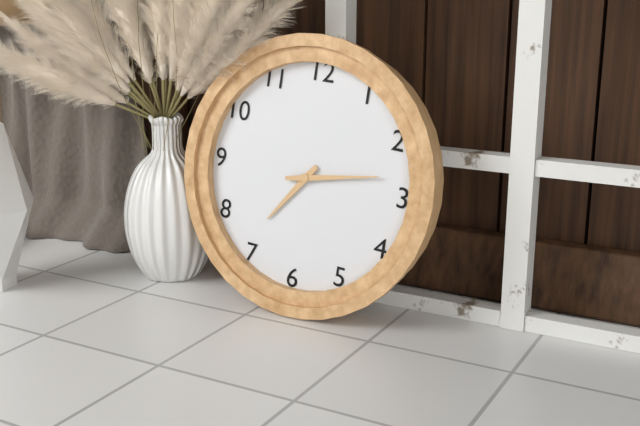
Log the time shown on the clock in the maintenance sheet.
7:13
